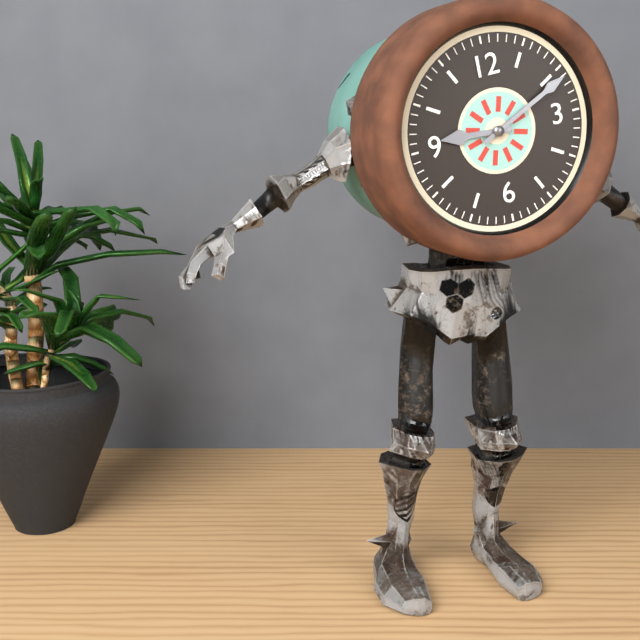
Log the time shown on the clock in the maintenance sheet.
9:11
